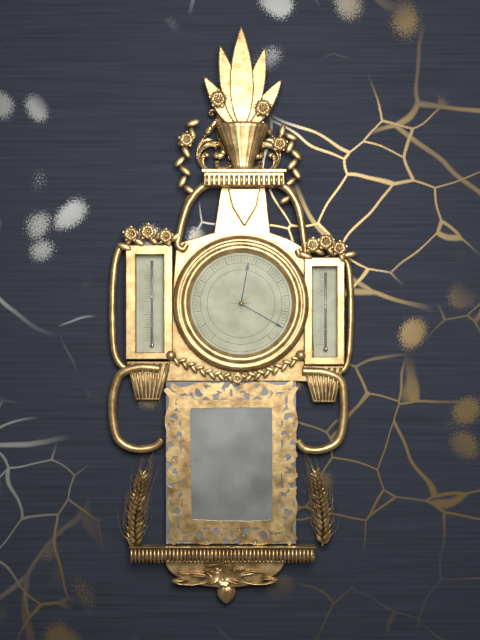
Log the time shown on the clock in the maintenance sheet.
12:20
